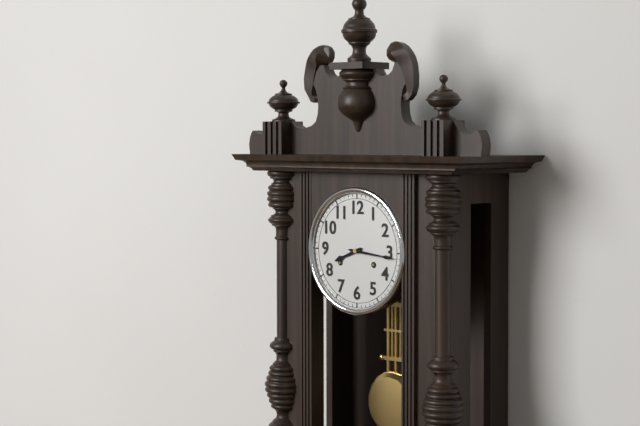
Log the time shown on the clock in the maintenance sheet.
8:16
